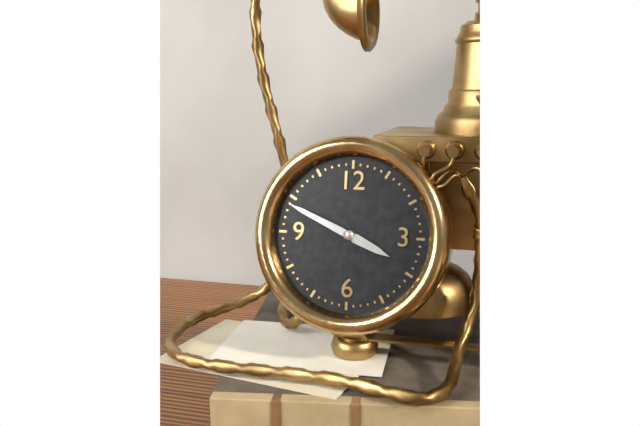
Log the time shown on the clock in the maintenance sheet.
3:49
